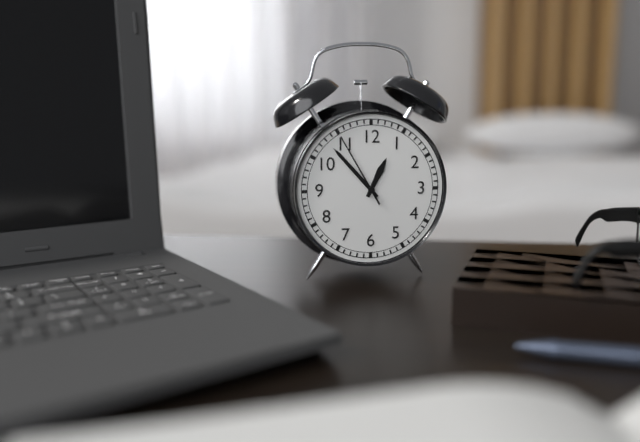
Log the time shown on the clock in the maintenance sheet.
12:53:55
